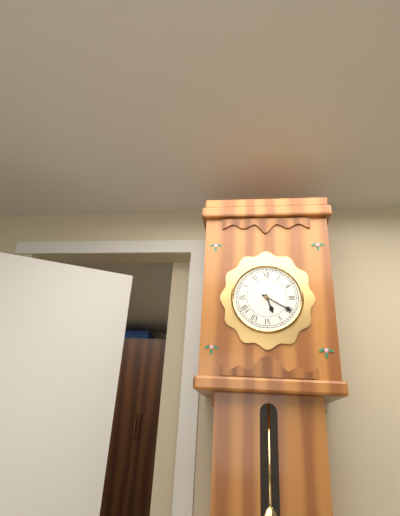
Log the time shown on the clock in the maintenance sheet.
5:20
